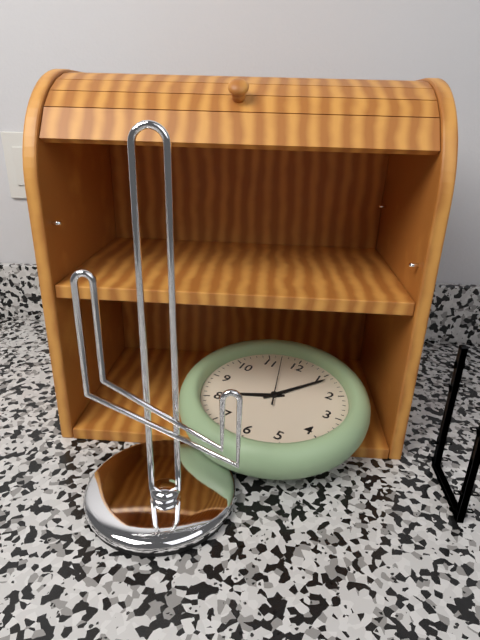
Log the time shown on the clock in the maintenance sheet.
8:06:57
